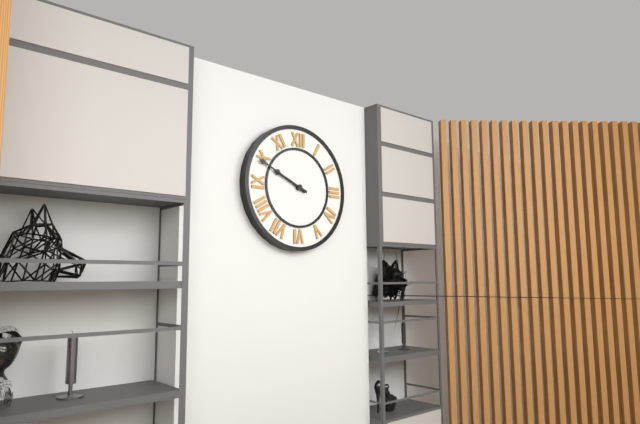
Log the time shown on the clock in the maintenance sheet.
9:49
